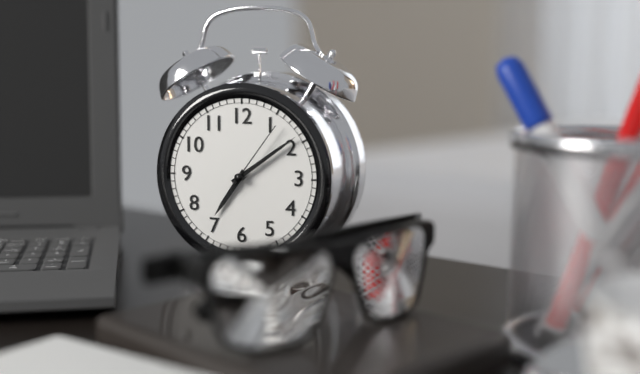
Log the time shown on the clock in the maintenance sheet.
7:09:06
